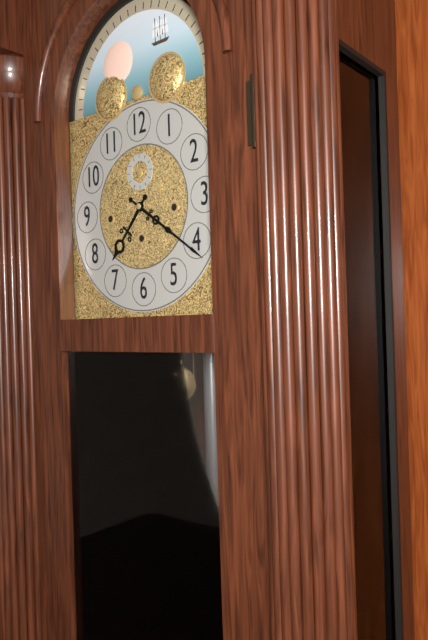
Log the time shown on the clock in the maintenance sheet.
7:21
